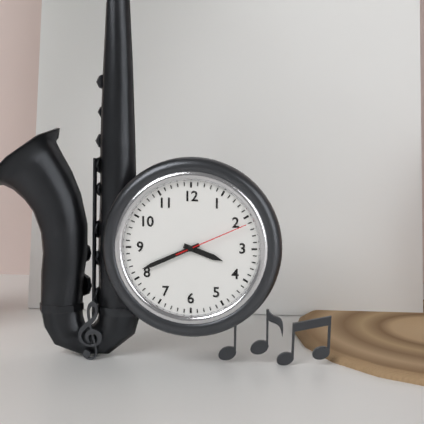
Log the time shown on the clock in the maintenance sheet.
3:41:11
